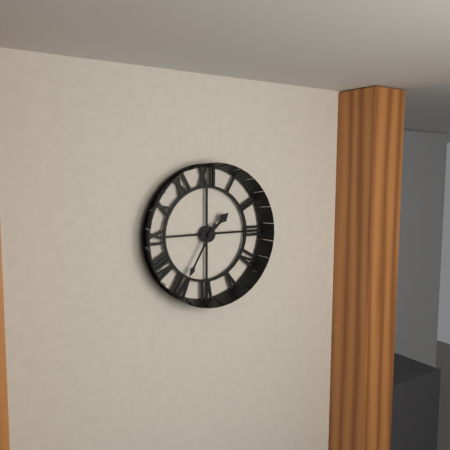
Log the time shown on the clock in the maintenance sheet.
1:35
